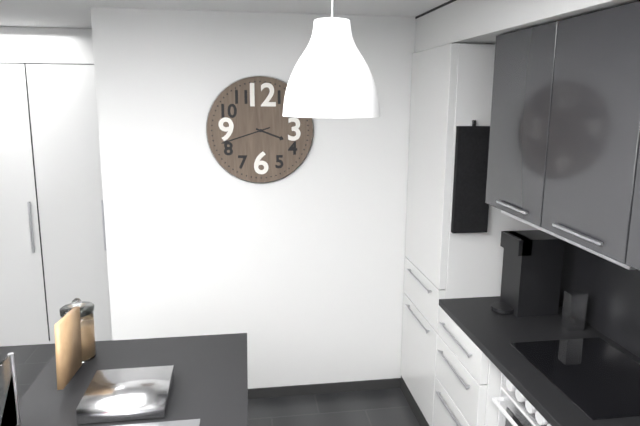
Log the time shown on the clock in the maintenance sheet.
3:42
